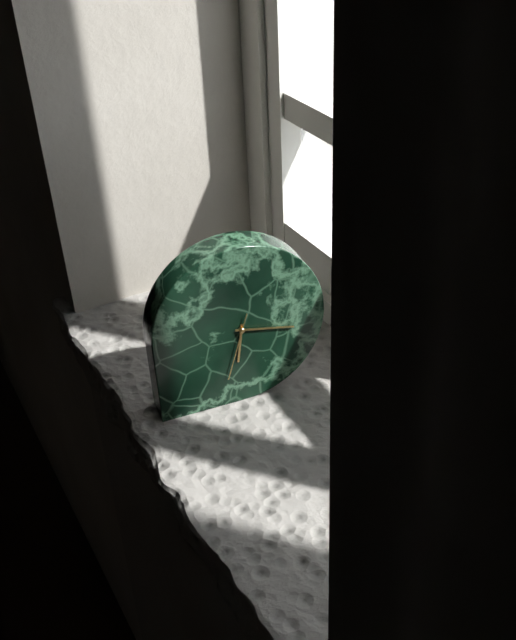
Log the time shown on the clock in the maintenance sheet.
6:17:33
